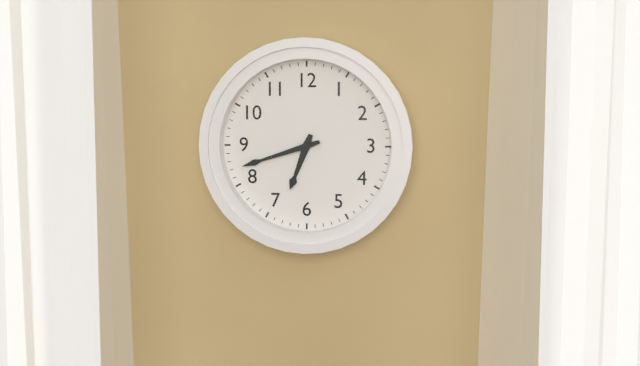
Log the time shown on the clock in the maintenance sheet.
6:42
